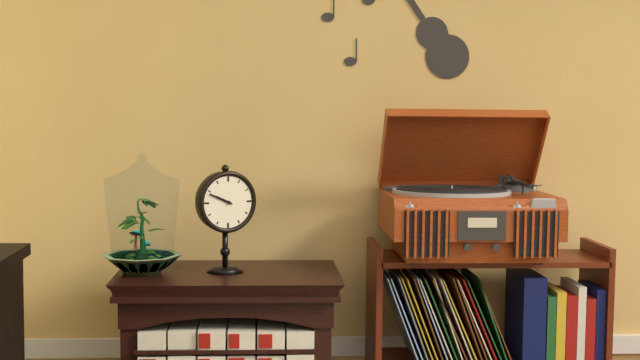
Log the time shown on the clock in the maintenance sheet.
9:49
